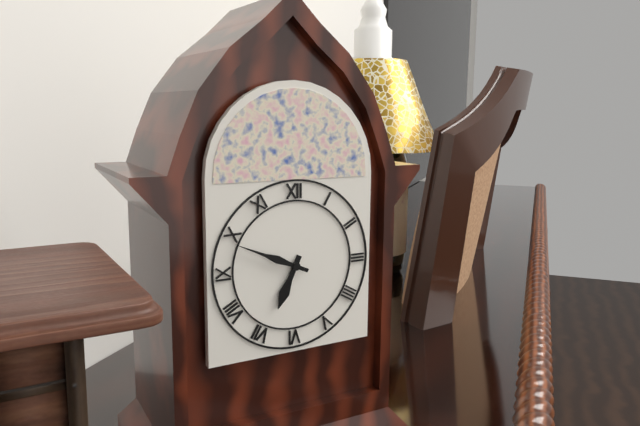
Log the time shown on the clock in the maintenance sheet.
6:49
